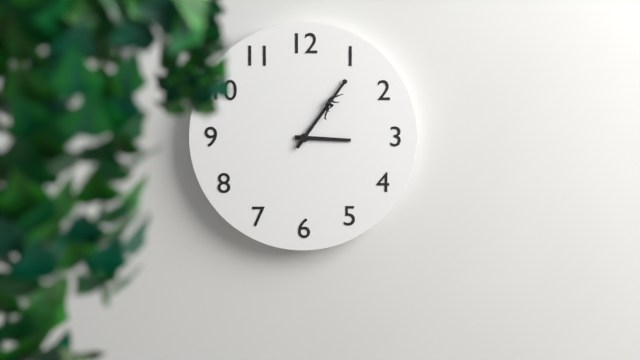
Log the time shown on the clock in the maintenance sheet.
3:06
